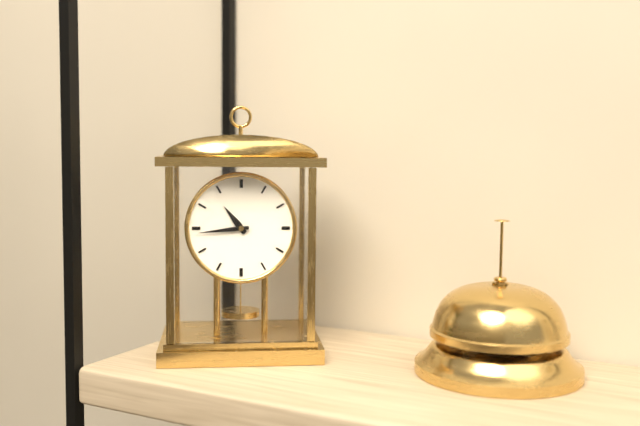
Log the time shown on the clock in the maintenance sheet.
10:44
